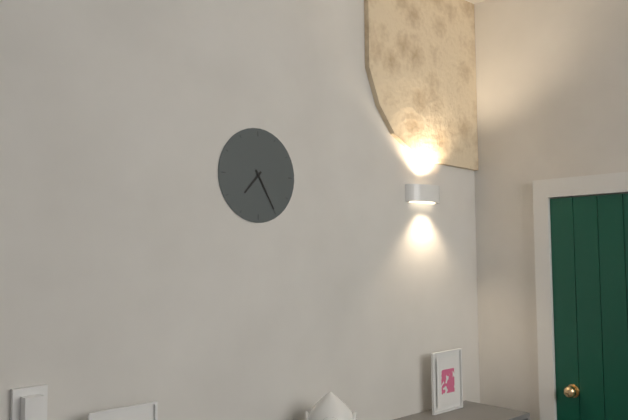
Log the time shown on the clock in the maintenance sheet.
7:25
